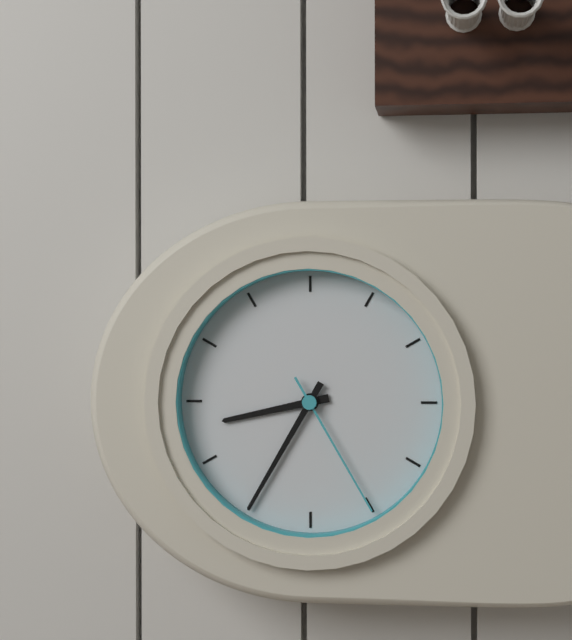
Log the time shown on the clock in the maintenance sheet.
8:35:25
